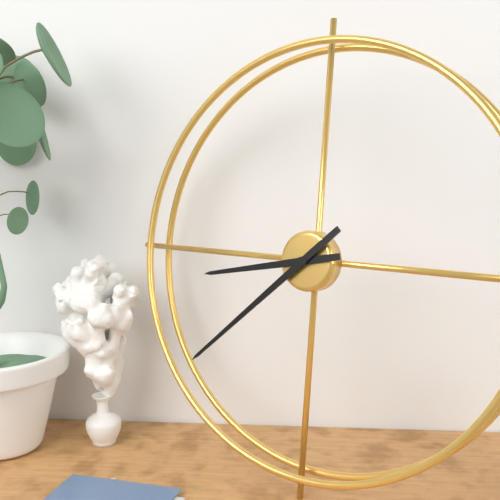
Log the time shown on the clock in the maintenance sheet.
8:38
